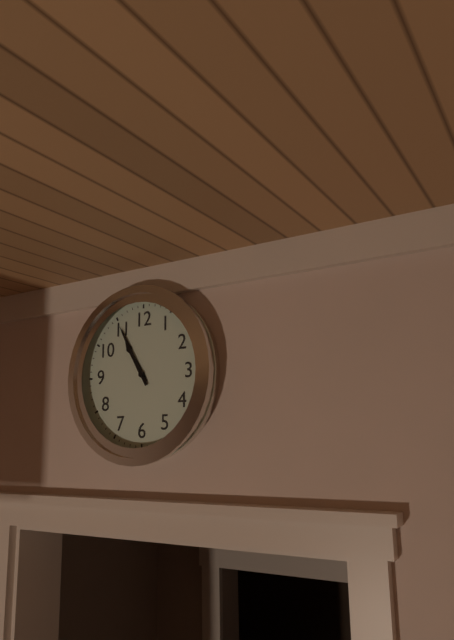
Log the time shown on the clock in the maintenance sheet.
10:55
